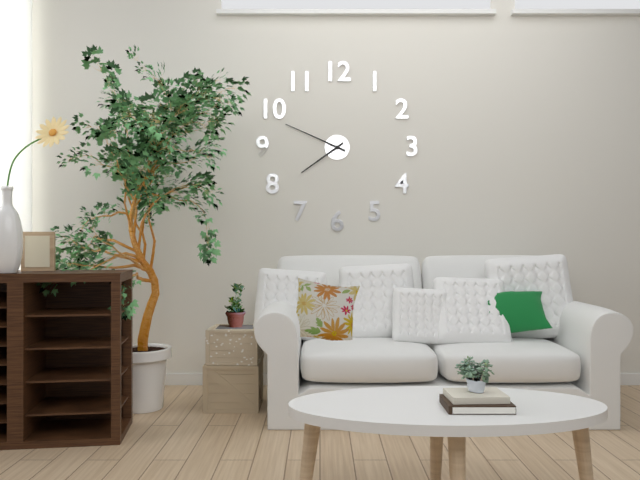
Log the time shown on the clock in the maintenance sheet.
7:49
